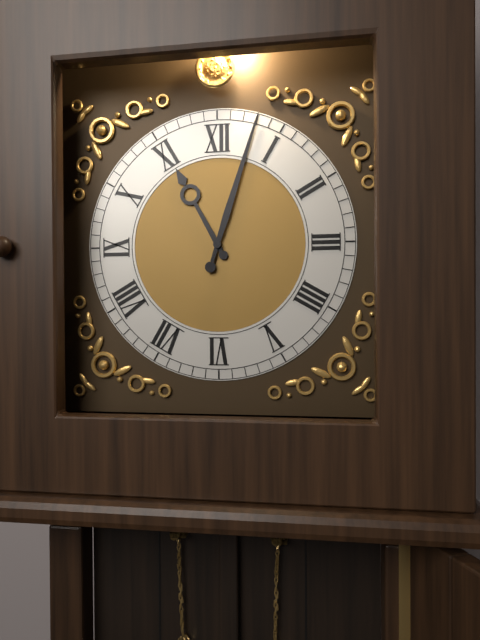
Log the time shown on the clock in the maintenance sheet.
11:03
